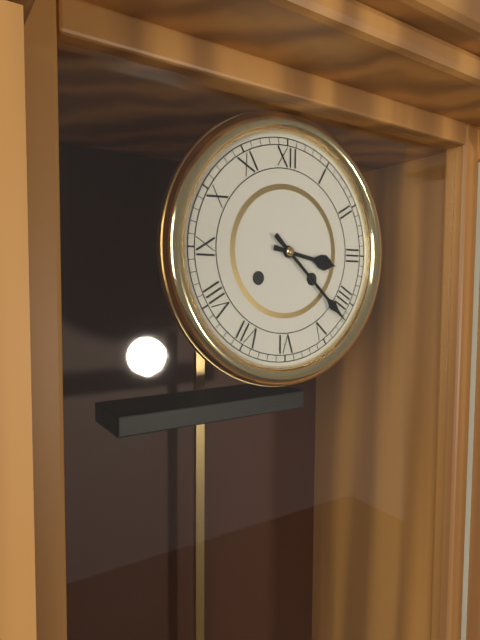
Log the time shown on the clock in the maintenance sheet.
3:22
